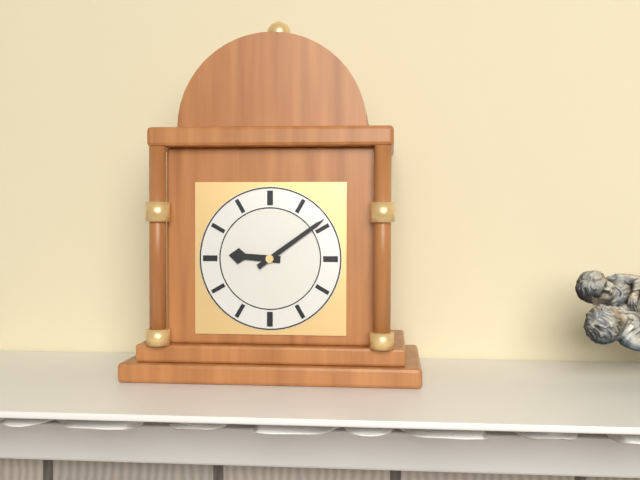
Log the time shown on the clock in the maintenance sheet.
9:09
